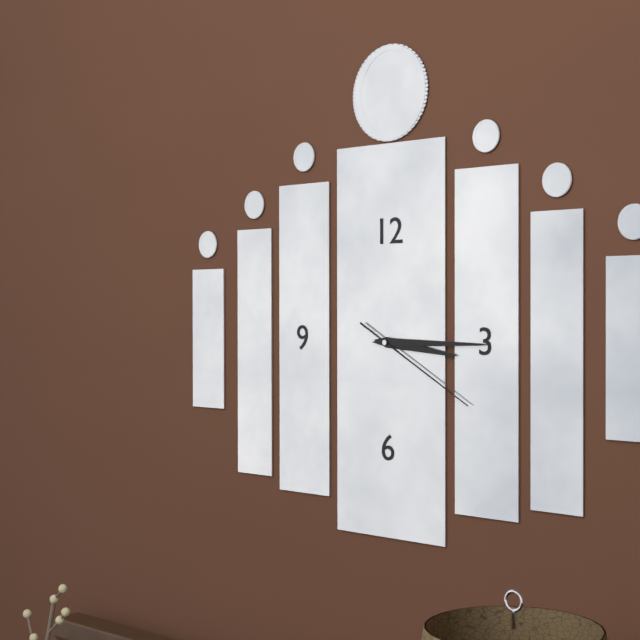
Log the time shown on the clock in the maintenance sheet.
3:15:20
